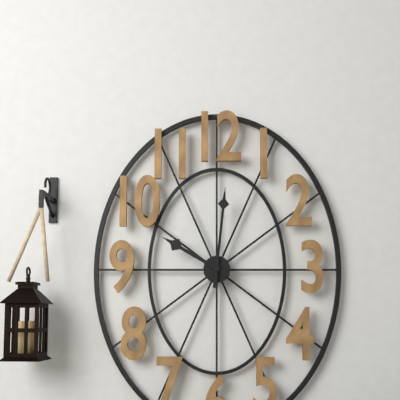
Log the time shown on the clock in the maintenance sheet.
10:01
